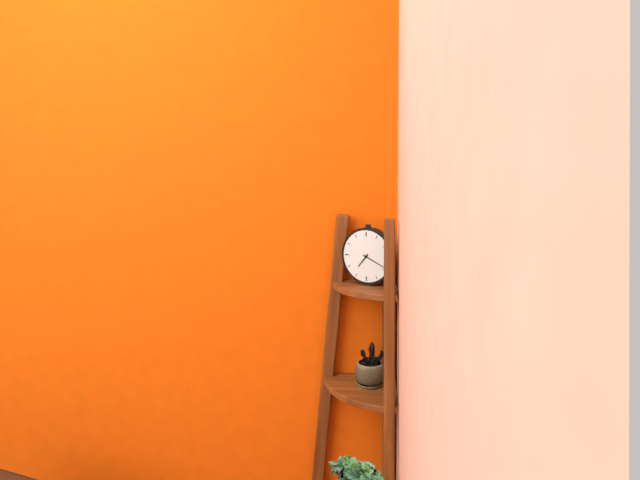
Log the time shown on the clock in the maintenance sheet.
7:19
